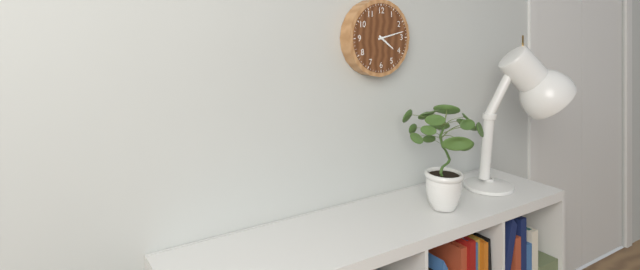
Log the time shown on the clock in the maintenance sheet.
4:13
